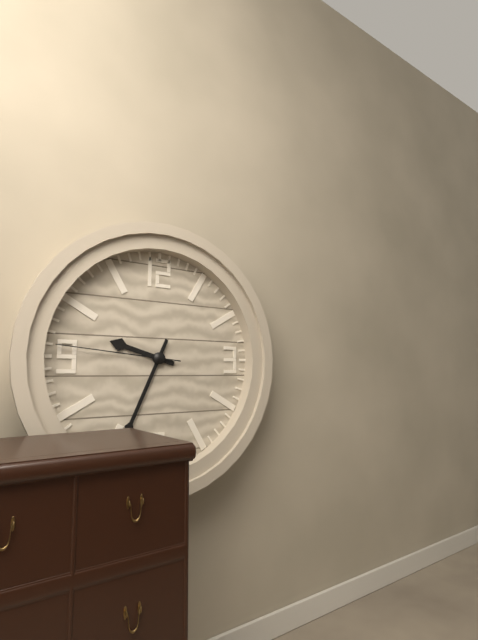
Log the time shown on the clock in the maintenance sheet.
9:34:46
